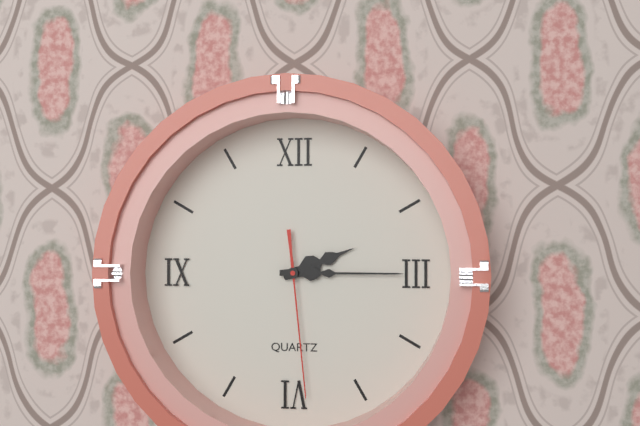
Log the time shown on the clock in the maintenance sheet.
2:15:29
